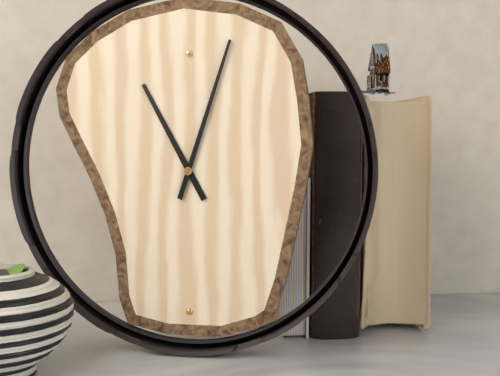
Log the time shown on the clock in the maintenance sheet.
11:03
